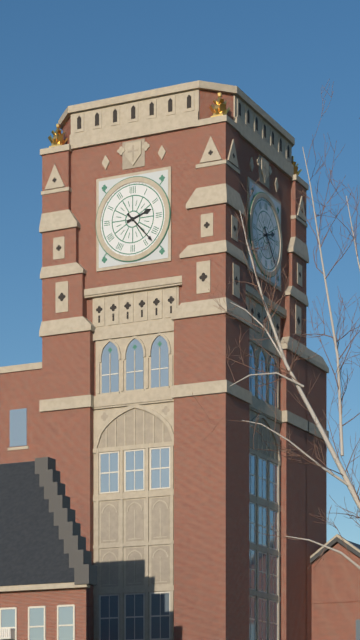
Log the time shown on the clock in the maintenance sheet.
2:23
